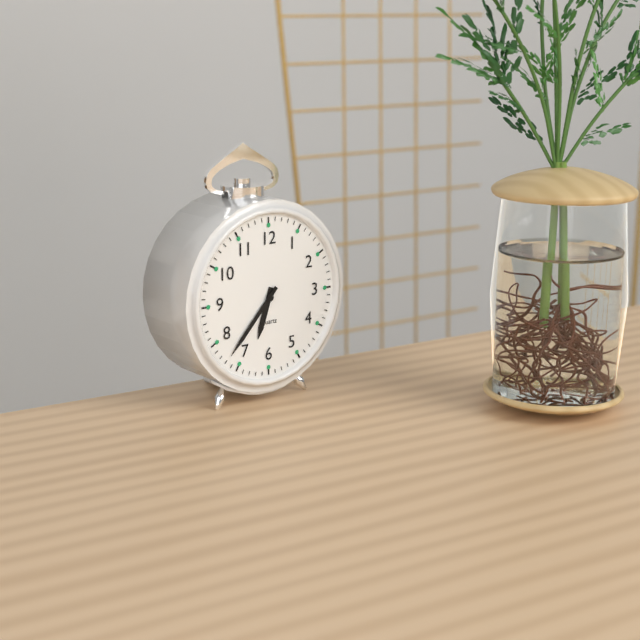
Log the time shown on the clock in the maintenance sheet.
6:37
